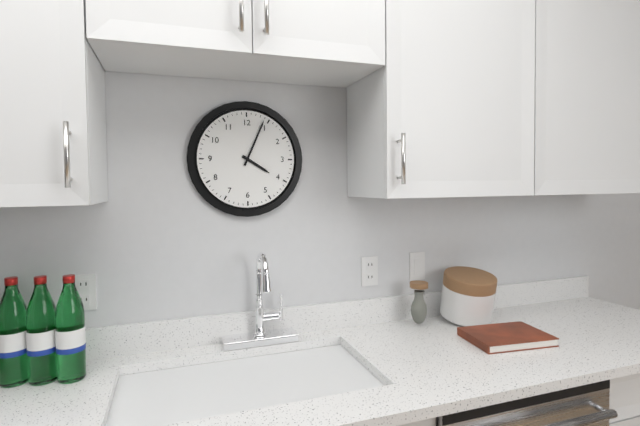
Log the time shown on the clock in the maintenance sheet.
4:04
